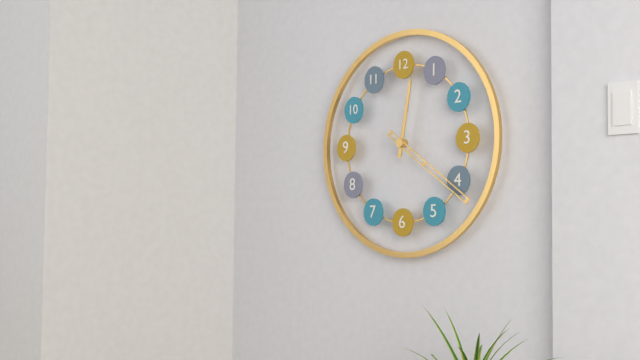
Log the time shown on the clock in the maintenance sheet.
12:21
